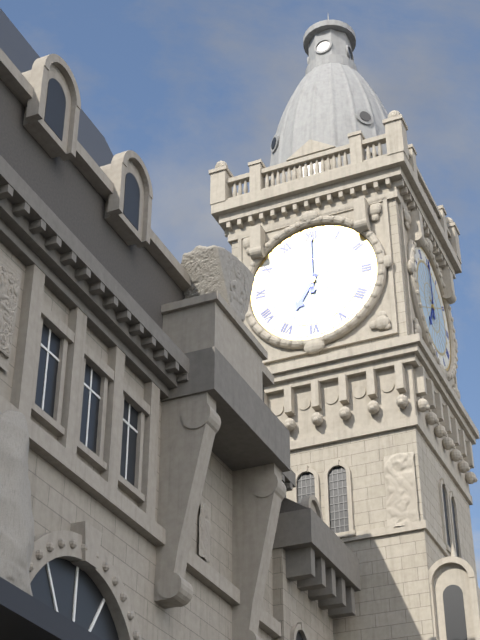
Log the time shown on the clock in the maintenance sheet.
7:00
